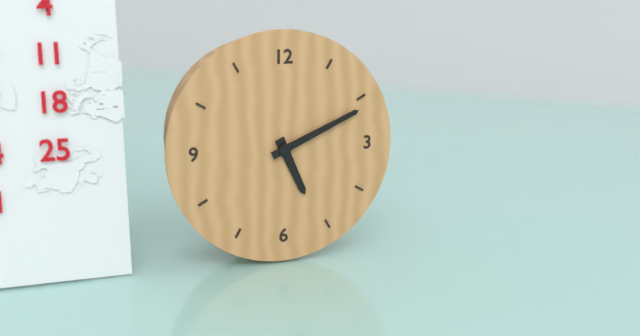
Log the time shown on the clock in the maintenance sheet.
5:11
